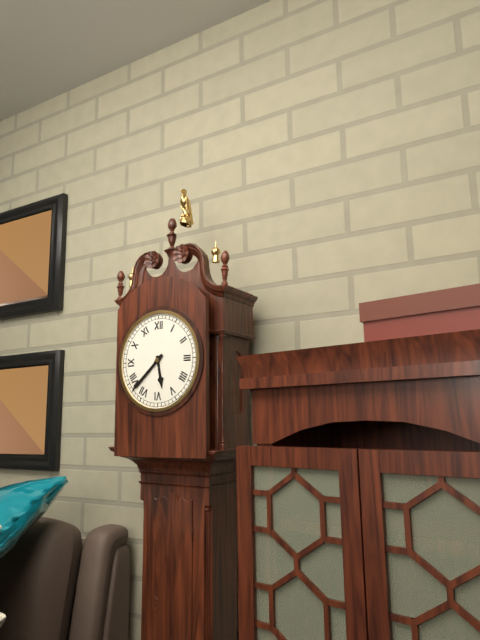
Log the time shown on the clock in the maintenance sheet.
5:38
